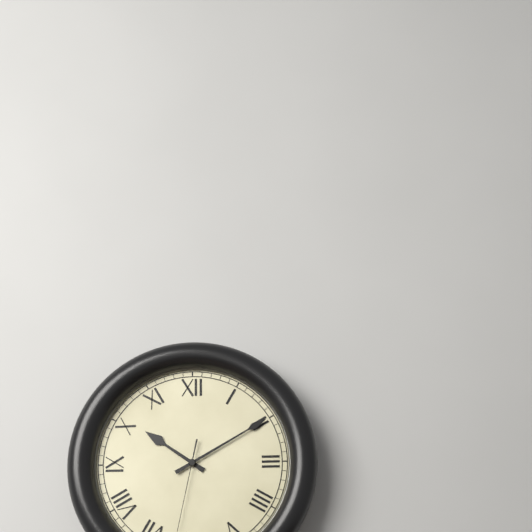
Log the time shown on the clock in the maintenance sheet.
10:10
